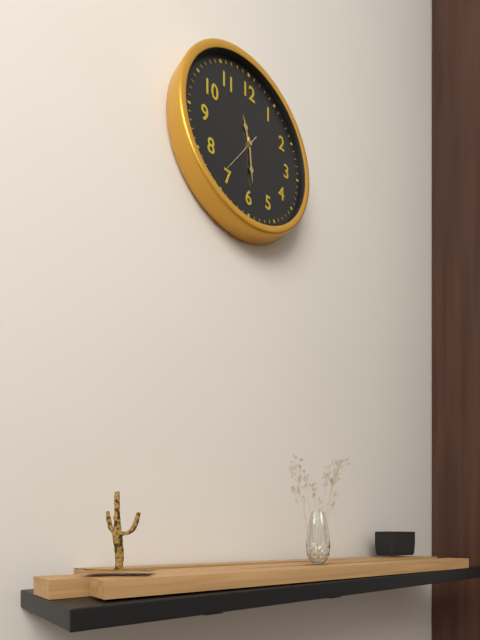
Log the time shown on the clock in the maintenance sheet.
11:29
